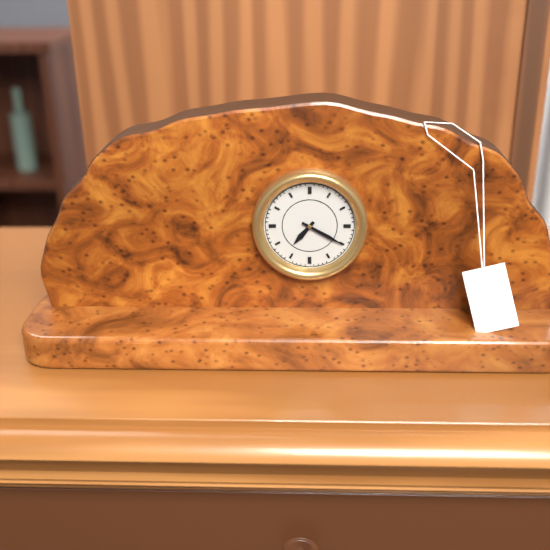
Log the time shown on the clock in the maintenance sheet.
7:20
